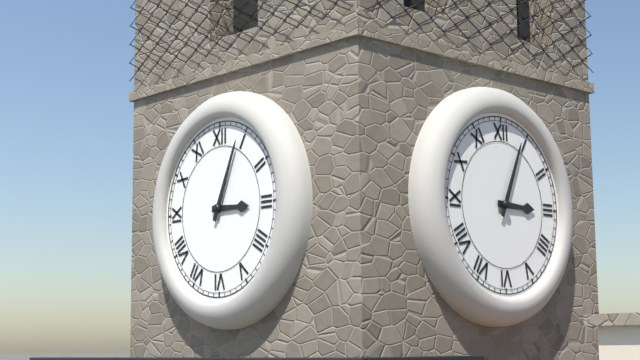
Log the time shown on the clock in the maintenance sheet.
3:04
